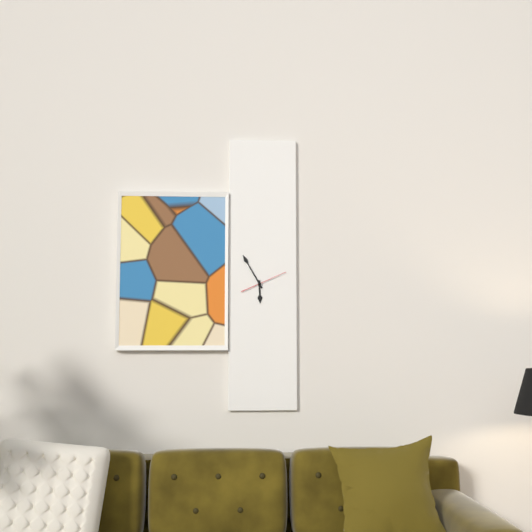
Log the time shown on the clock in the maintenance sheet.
5:55
